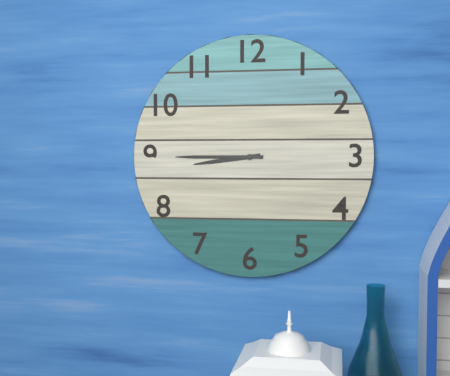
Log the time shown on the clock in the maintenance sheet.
8:45
